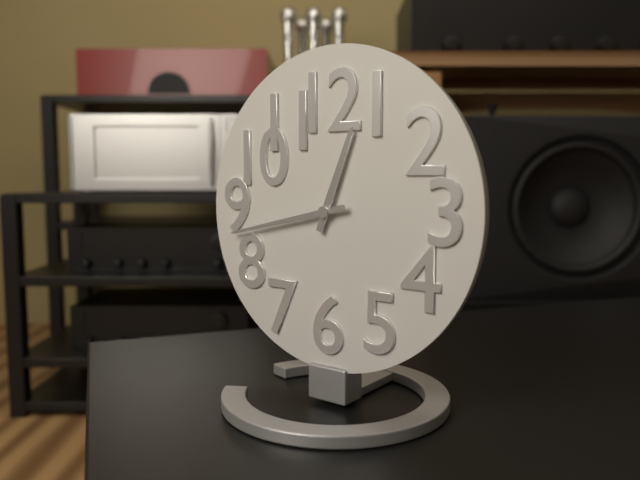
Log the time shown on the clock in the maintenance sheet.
12:43
